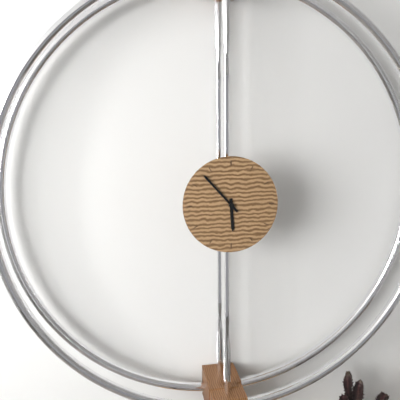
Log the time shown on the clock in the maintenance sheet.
5:53
